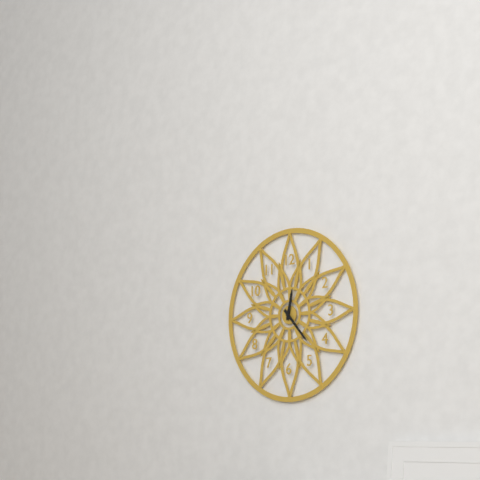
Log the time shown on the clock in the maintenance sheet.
12:23
